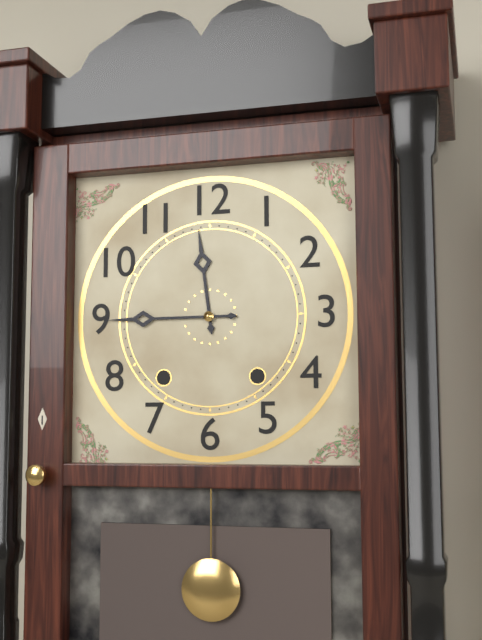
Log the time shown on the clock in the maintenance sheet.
11:45
